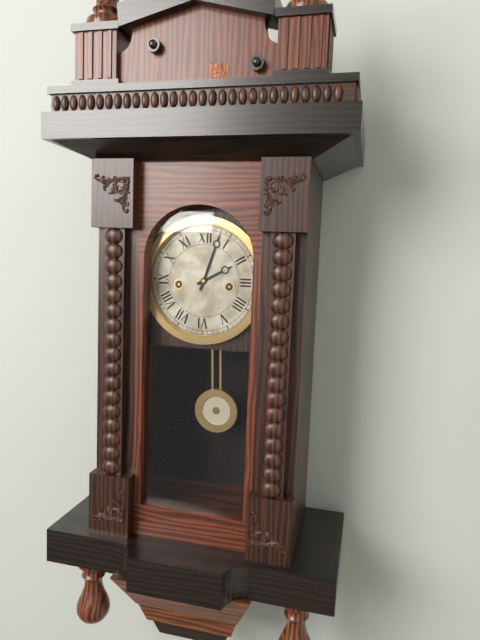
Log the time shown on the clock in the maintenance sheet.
2:03
